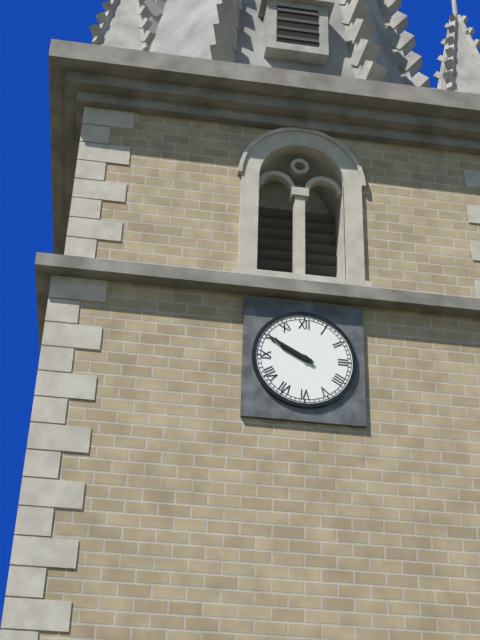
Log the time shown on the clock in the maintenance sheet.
9:50
